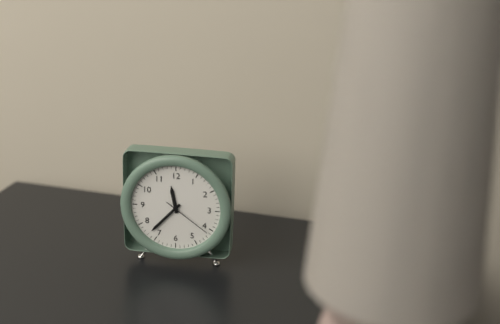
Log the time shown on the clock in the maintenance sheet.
11:37:21
